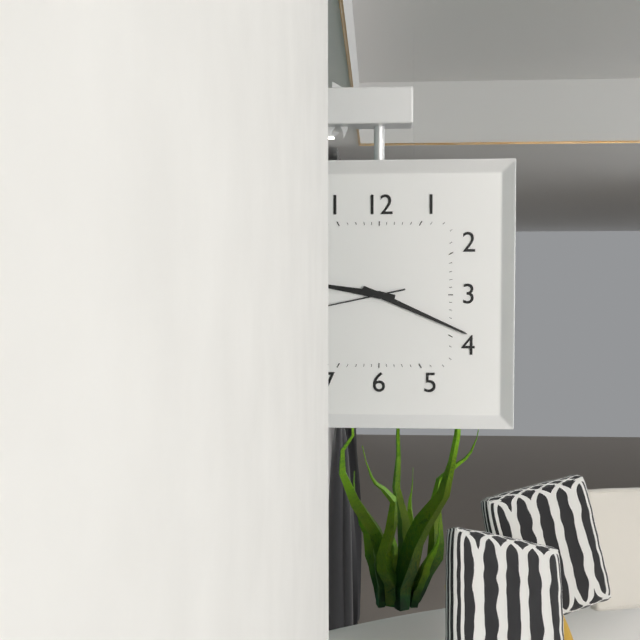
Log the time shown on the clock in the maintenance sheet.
9:19
